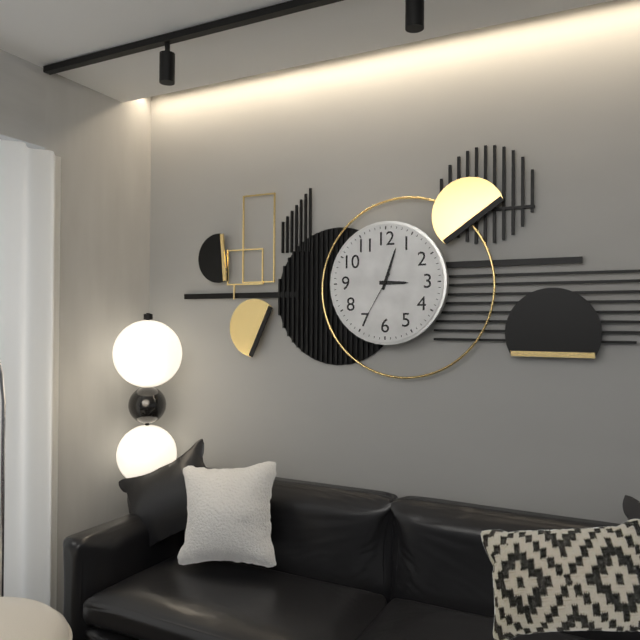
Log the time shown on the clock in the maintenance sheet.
3:03:35
